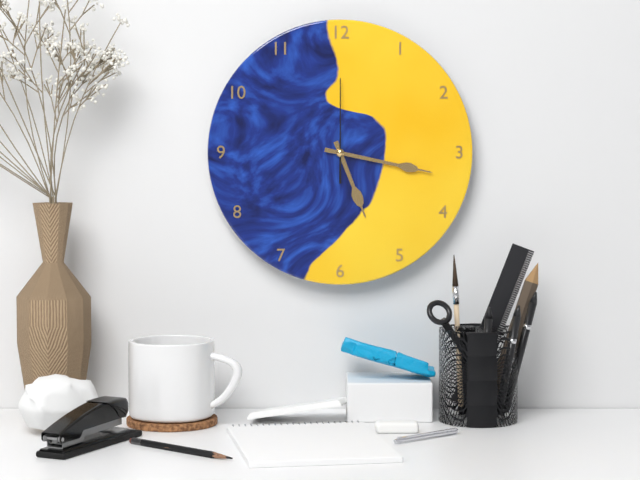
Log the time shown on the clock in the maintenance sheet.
5:17:00
